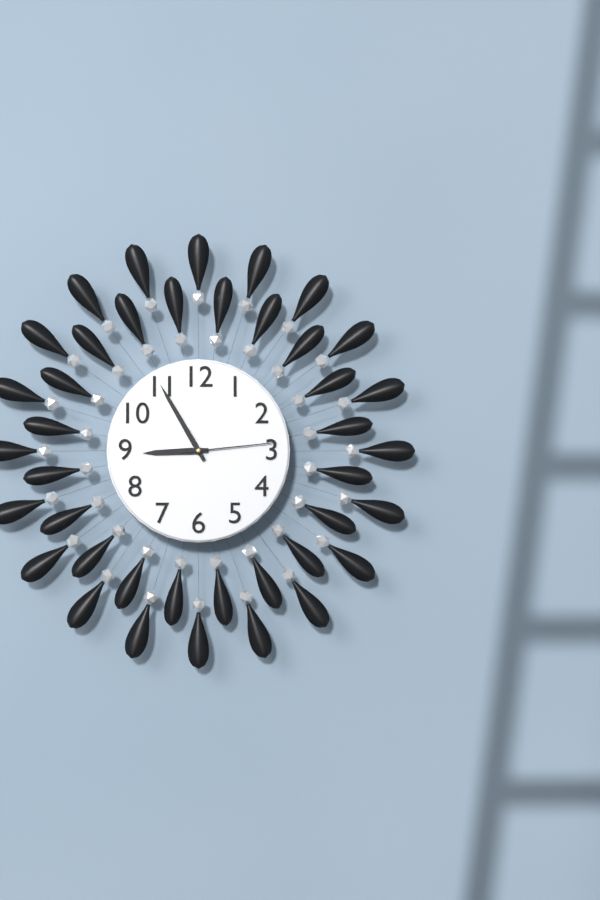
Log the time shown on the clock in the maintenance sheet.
8:55:14
